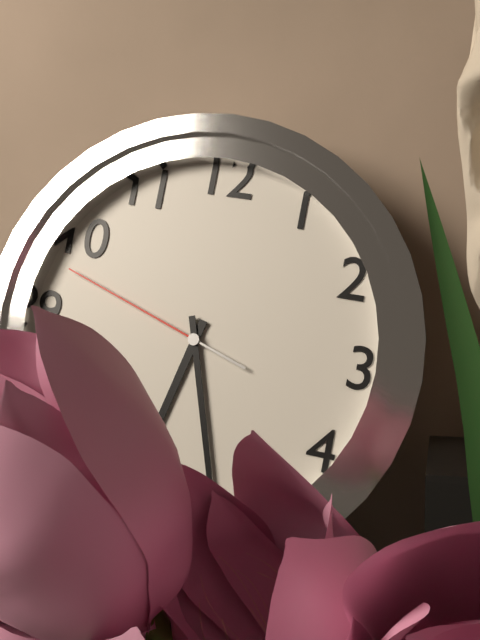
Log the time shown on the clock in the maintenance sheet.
6:27:48
